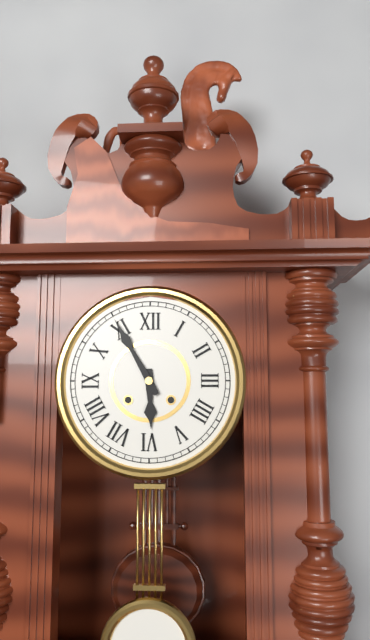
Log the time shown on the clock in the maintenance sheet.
5:55
